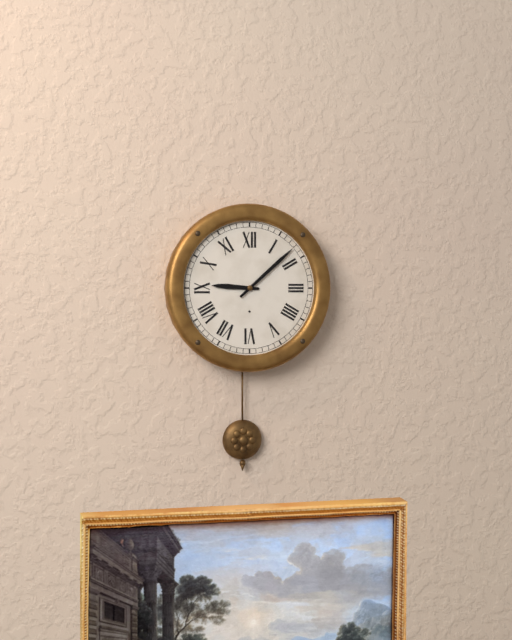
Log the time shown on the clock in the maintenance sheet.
9:08
